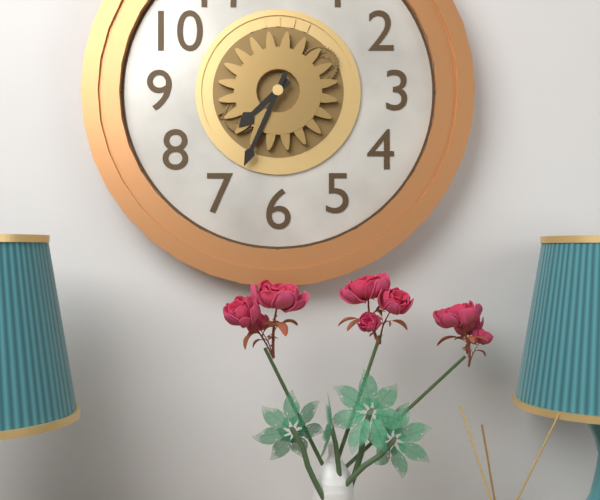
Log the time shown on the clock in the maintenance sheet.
7:34
